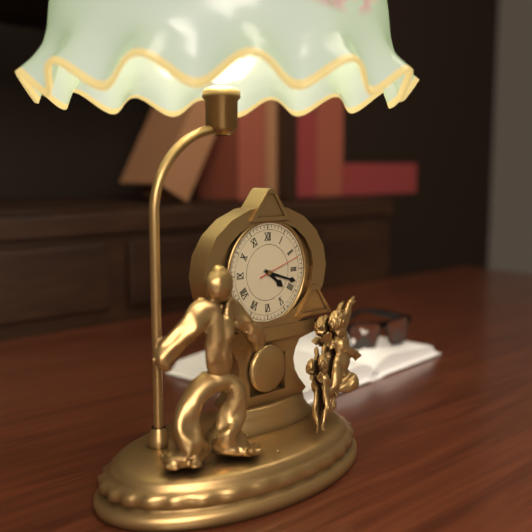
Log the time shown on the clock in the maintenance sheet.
4:18
